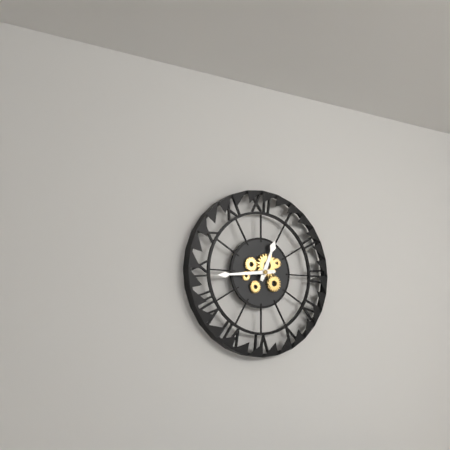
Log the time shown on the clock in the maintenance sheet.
12:44
